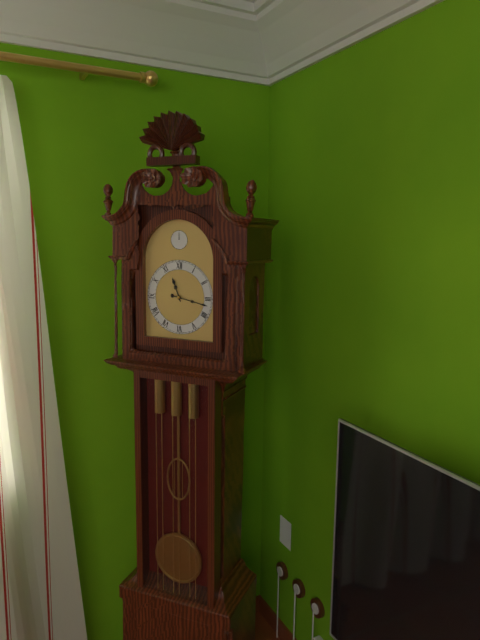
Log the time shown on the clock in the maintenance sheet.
11:17
